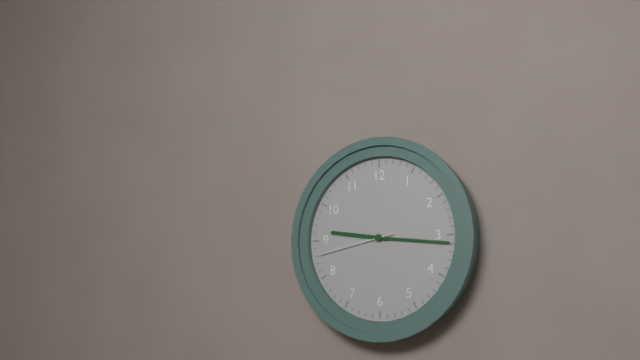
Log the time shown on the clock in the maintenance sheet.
9:16:43
